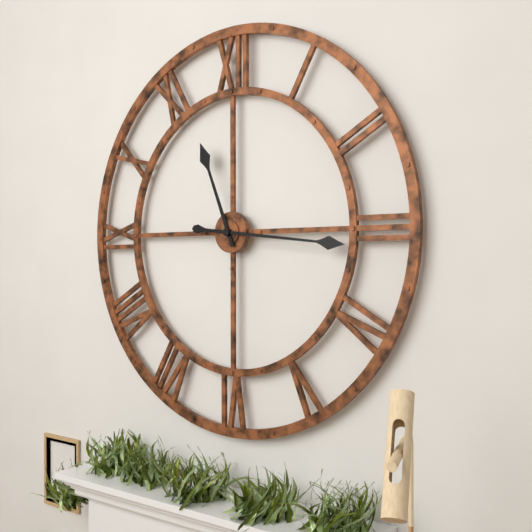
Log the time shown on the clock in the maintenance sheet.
11:16
